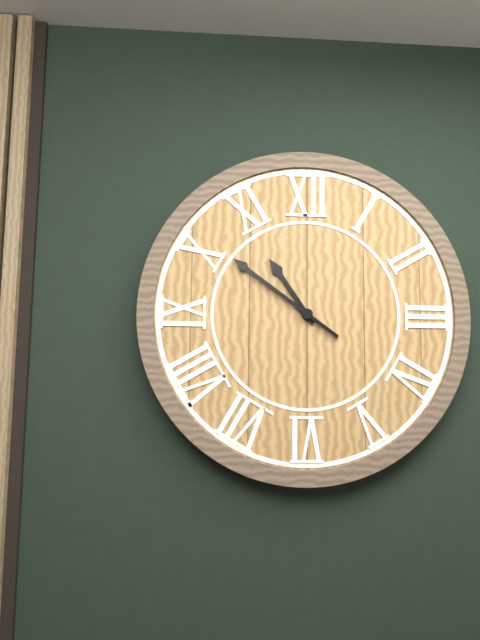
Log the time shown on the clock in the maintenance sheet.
10:51
